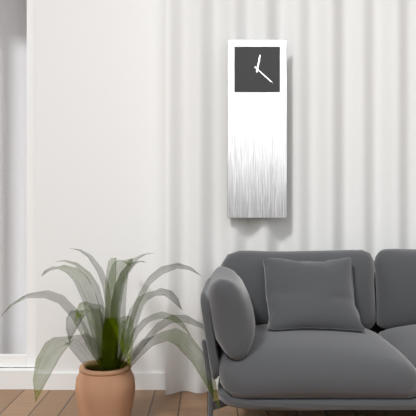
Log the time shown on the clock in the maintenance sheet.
12:22
